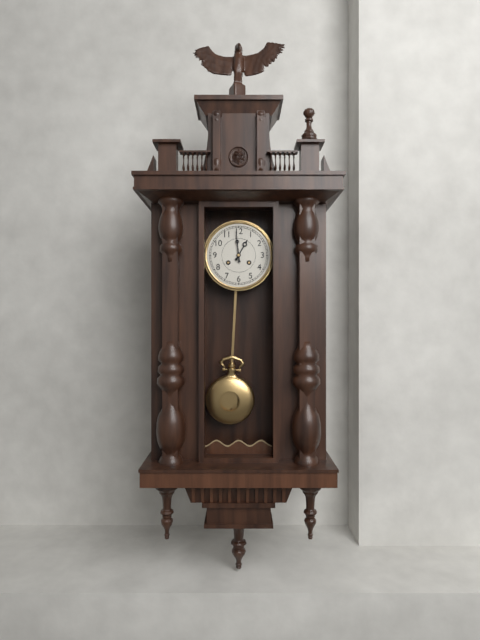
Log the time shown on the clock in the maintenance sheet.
12:59
